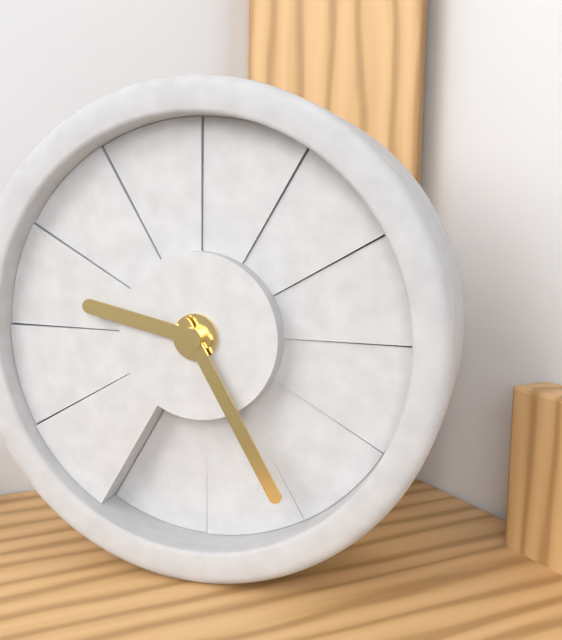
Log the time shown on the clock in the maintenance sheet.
9:25
